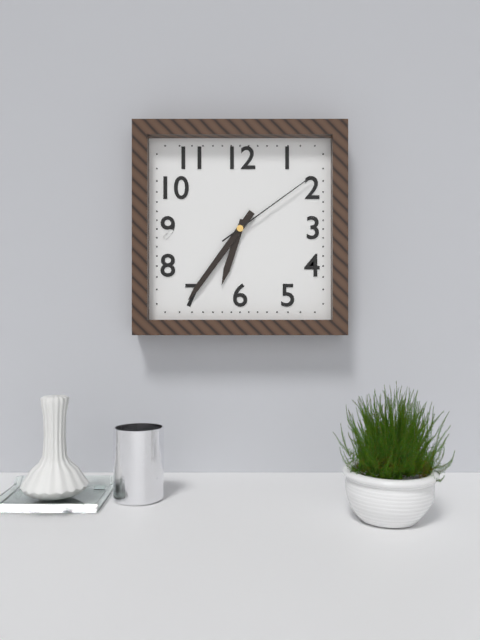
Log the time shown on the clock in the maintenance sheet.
6:36:09
